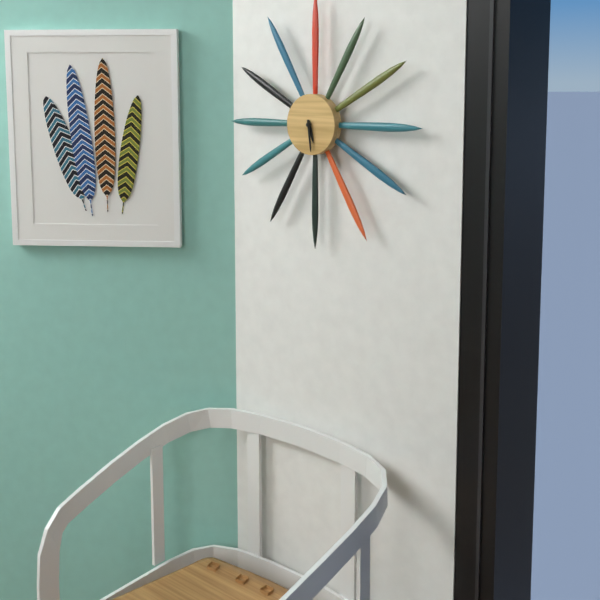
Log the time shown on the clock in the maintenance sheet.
5:29
